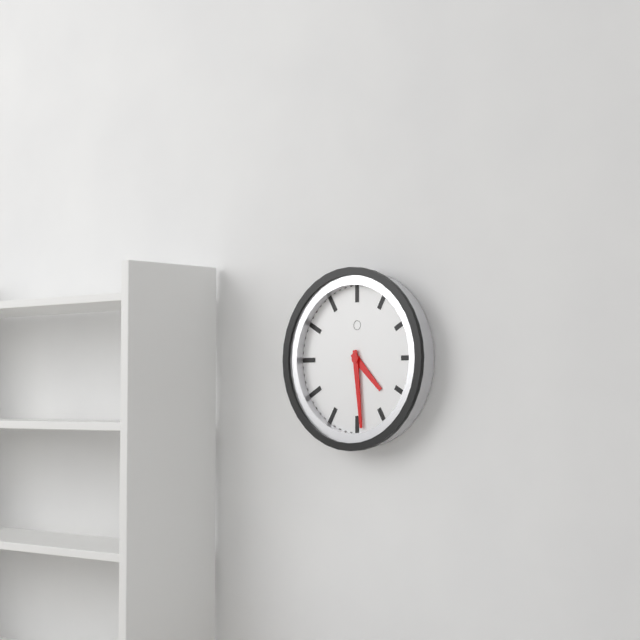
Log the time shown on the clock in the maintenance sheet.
4:29
